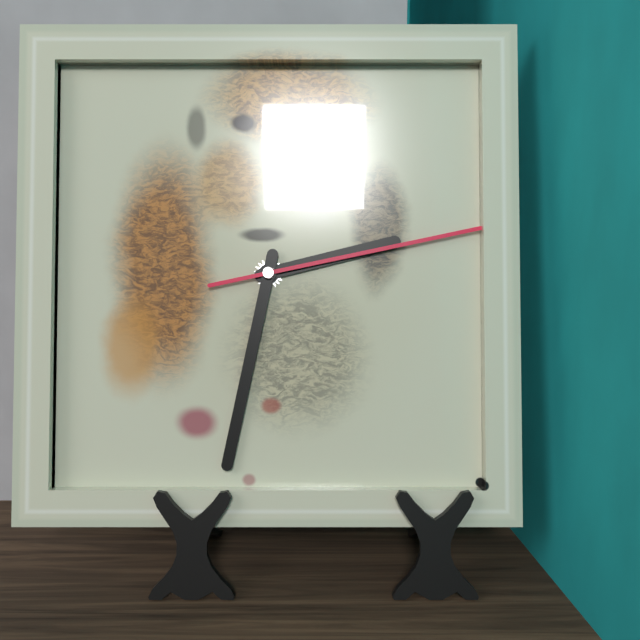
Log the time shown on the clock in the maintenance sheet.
2:32:13
